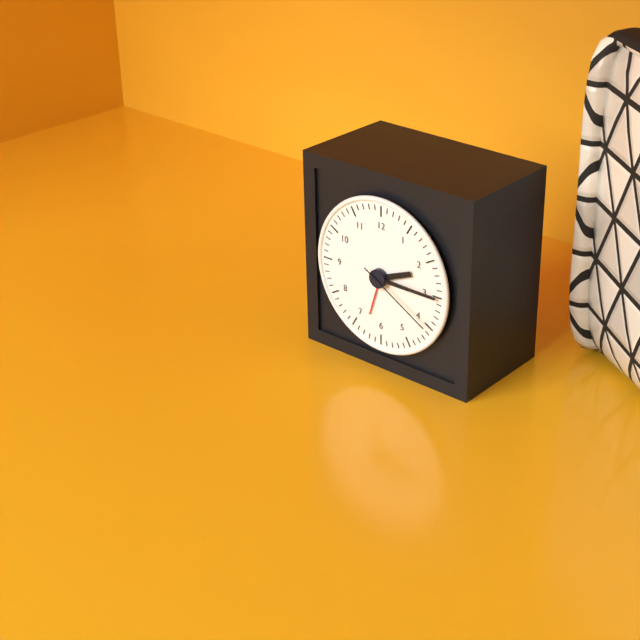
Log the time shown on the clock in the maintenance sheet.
2:15:20
